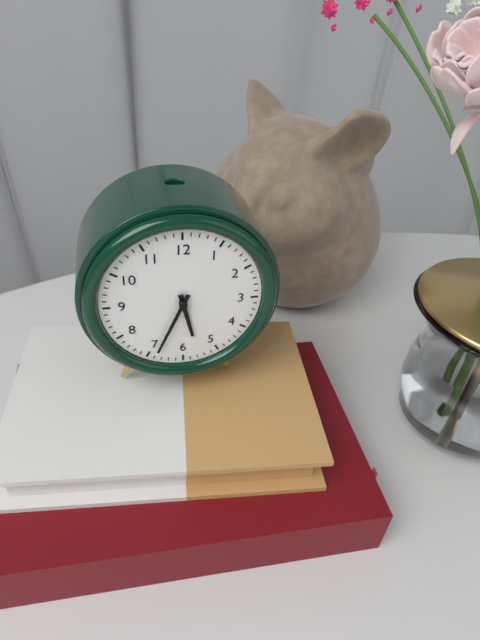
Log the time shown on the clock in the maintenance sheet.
5:34
